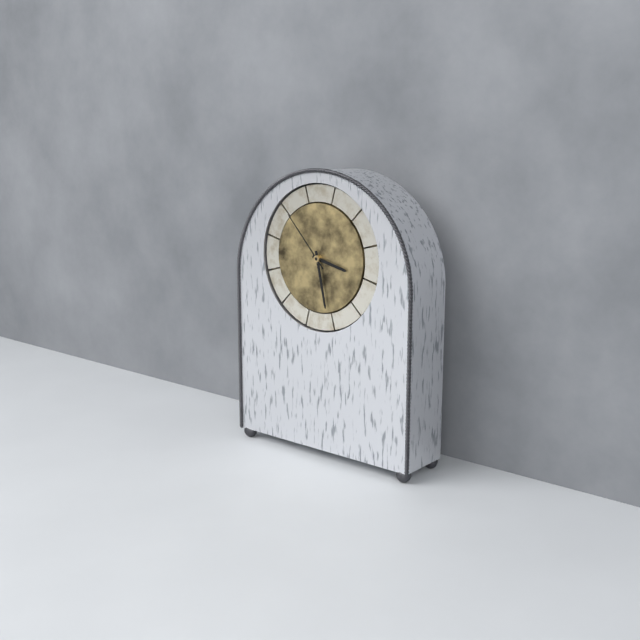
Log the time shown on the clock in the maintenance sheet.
3:28:53
